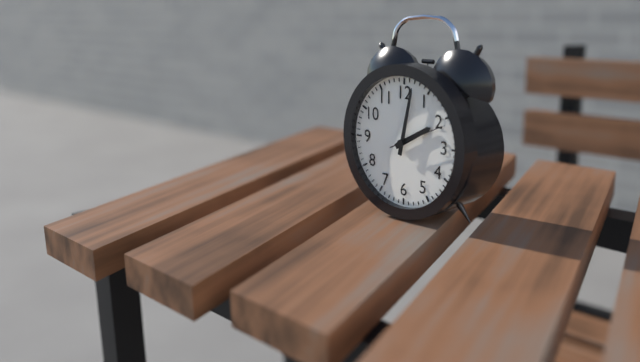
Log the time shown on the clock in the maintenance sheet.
2:02:11
